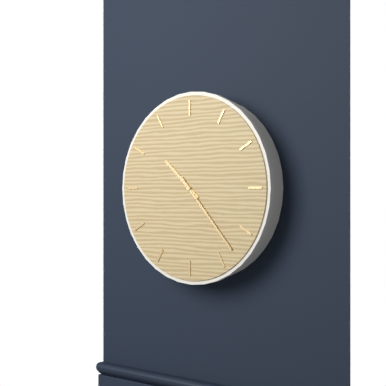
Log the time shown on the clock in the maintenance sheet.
10:23
